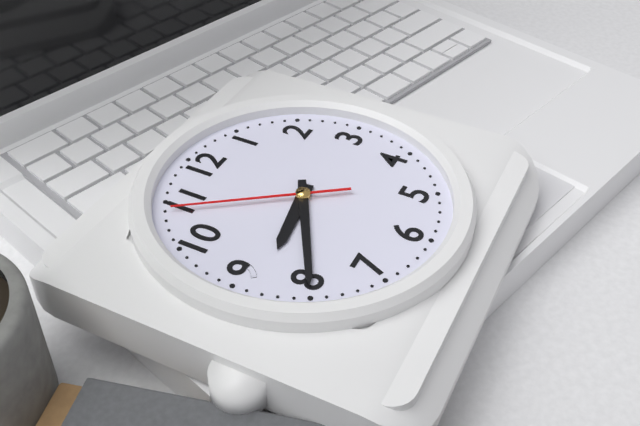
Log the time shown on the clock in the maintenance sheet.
8:40:54
